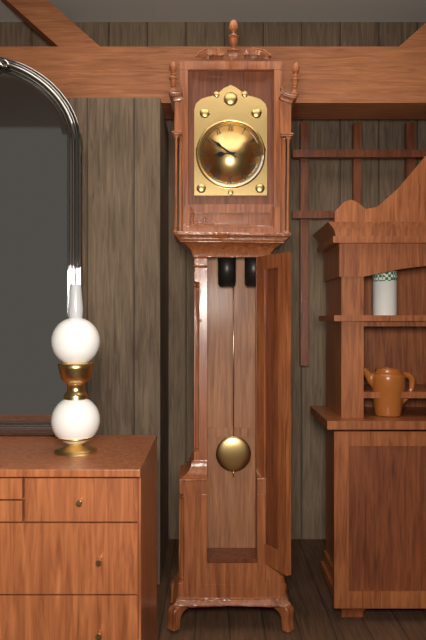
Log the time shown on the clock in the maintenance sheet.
8:51
